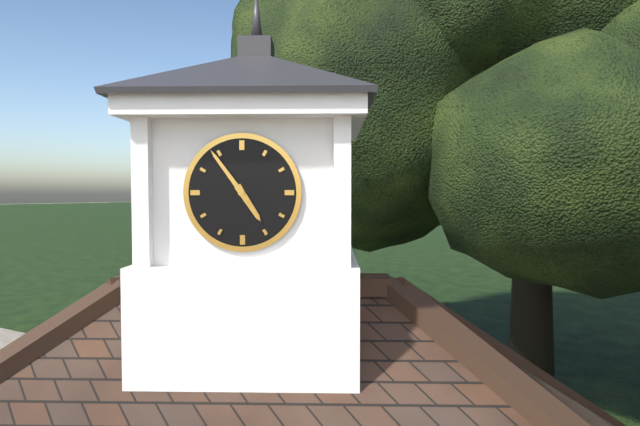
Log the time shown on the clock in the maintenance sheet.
4:54
